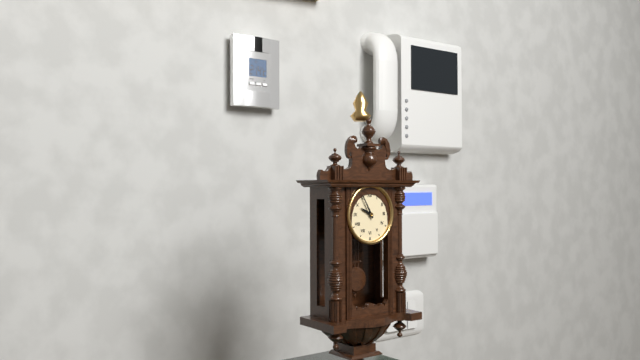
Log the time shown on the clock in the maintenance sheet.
9:55
